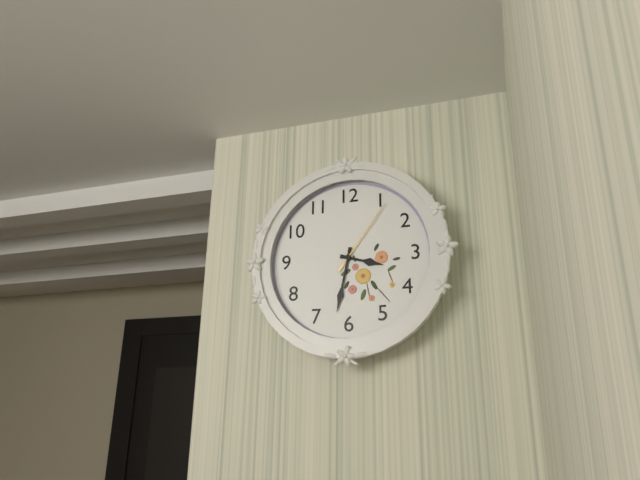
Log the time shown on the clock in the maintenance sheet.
3:32:06
